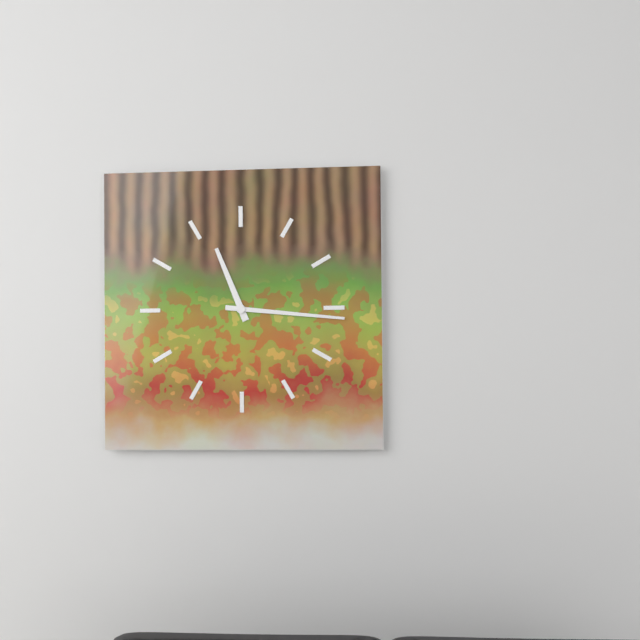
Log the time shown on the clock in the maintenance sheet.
11:16
